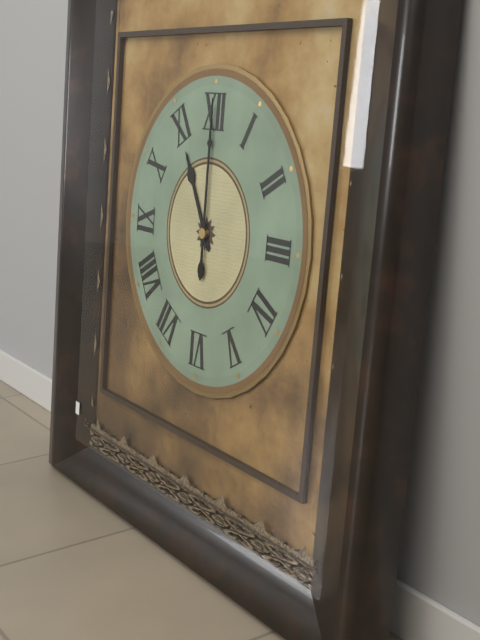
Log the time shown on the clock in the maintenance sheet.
11:00
